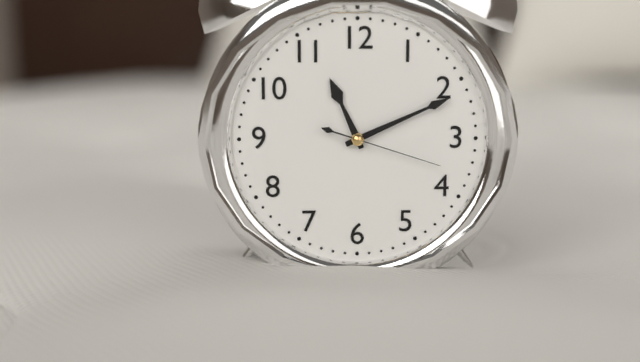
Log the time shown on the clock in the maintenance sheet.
11:11:18
